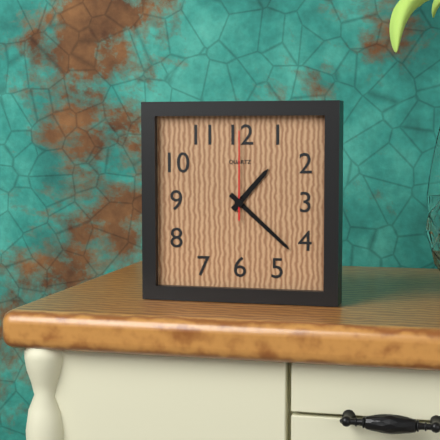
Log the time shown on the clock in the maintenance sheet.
1:22:00
